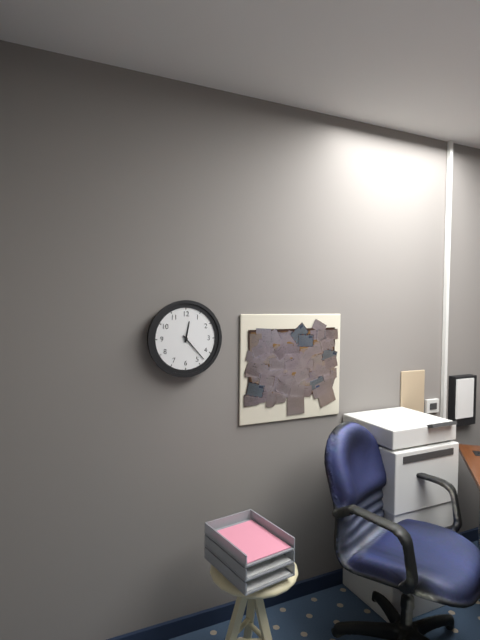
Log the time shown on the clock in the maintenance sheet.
12:23
